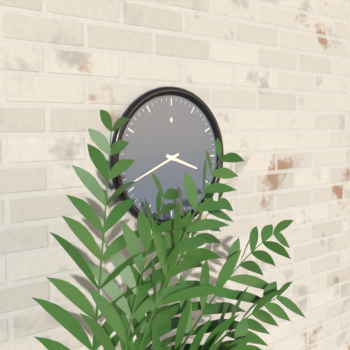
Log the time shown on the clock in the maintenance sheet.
3:41
